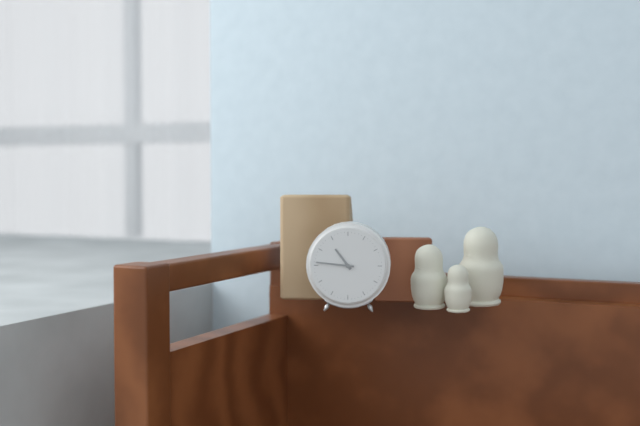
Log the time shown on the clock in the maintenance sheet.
10:46
